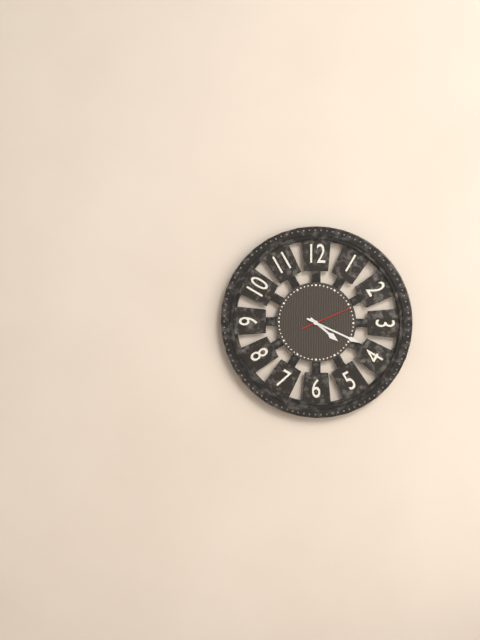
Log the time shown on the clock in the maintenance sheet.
4:19
